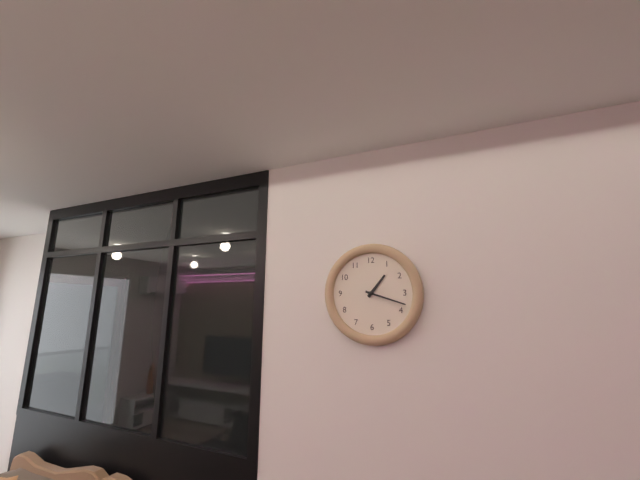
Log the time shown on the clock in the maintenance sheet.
1:18
